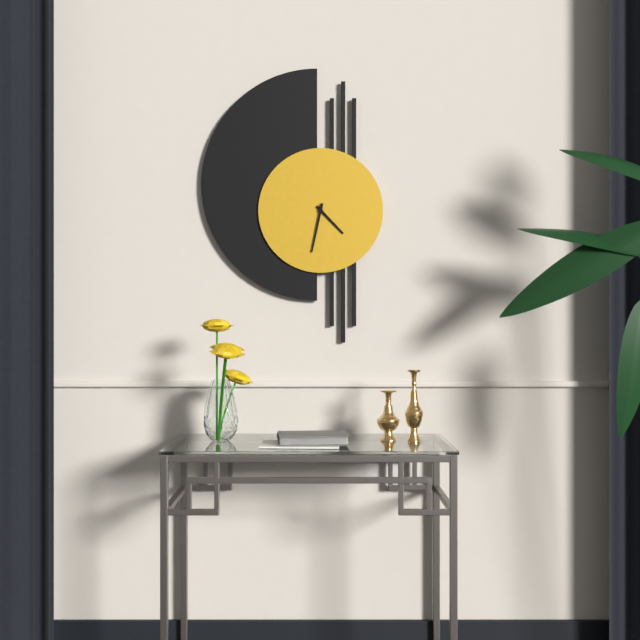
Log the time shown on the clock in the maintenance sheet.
4:32
